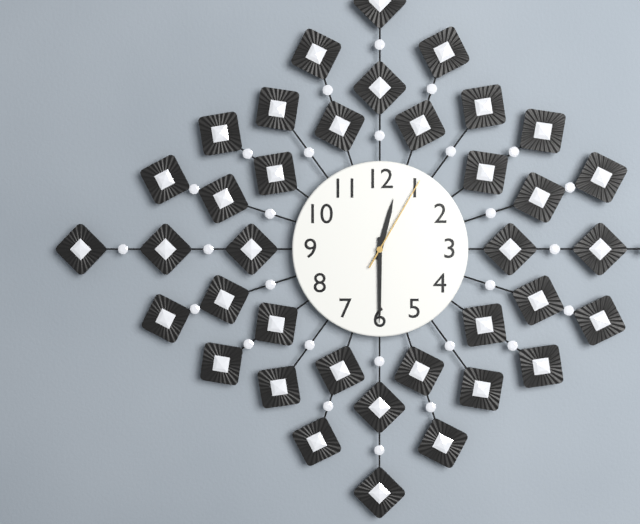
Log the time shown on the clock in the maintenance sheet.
12:30:05
